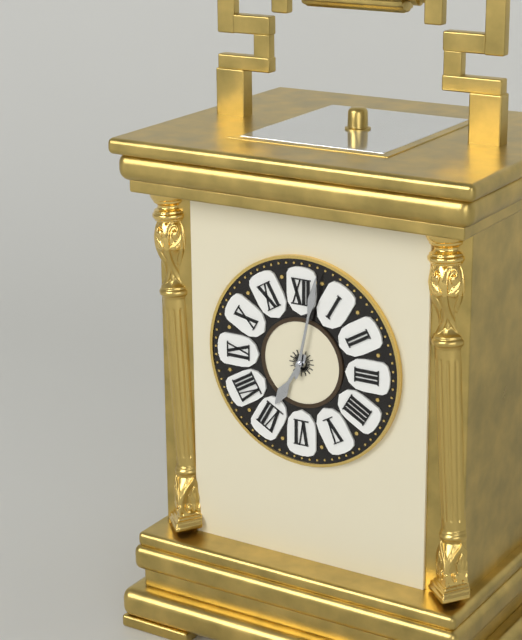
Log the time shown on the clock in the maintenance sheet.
7:02
